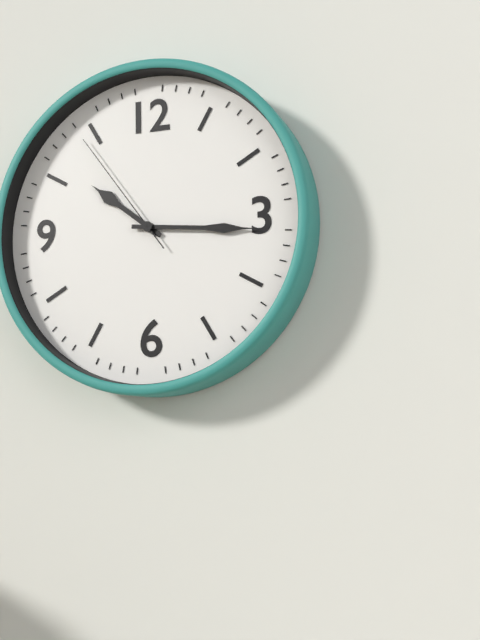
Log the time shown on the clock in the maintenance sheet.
10:16:54
